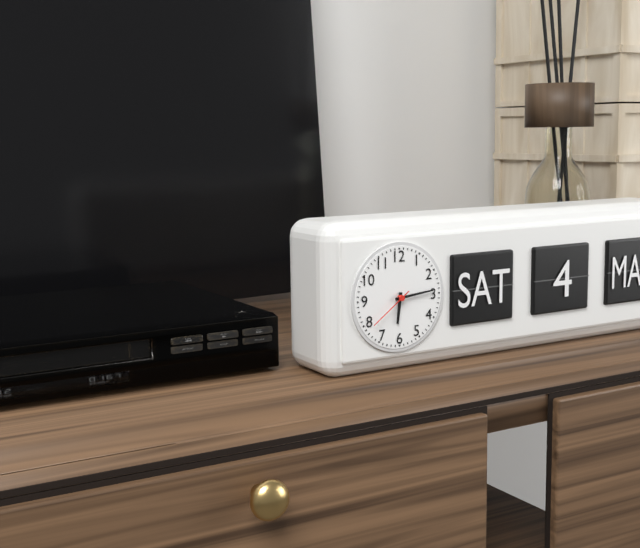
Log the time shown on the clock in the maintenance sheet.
6:14
